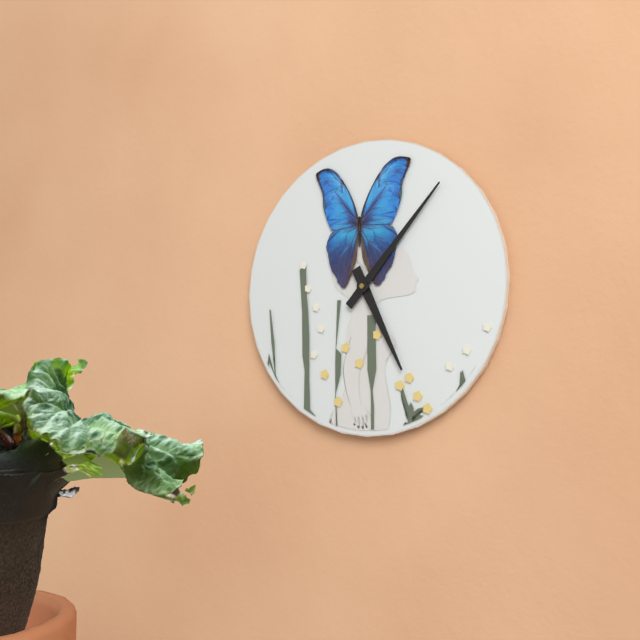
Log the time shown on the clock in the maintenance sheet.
5:07
